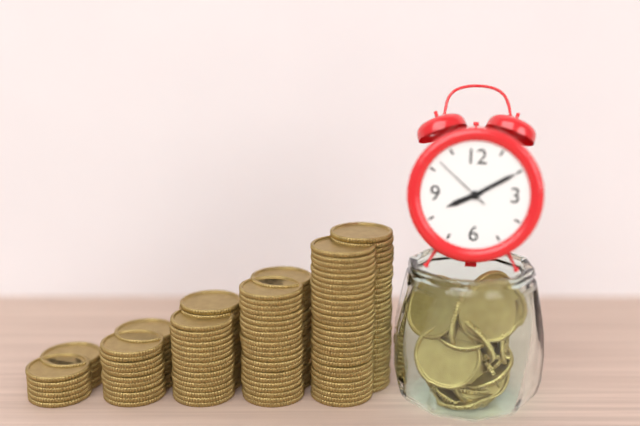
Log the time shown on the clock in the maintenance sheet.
8:10:52
